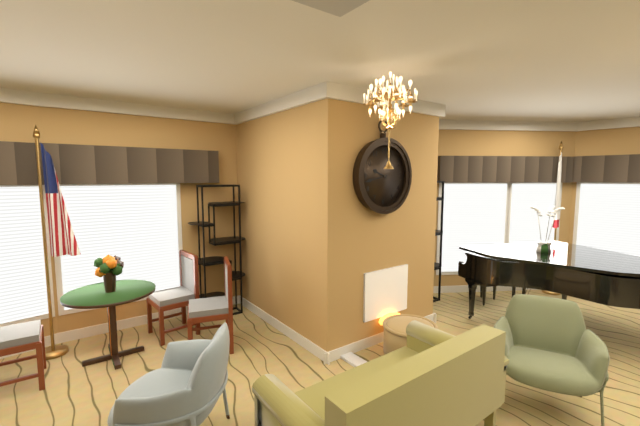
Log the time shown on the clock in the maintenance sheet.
9:43
